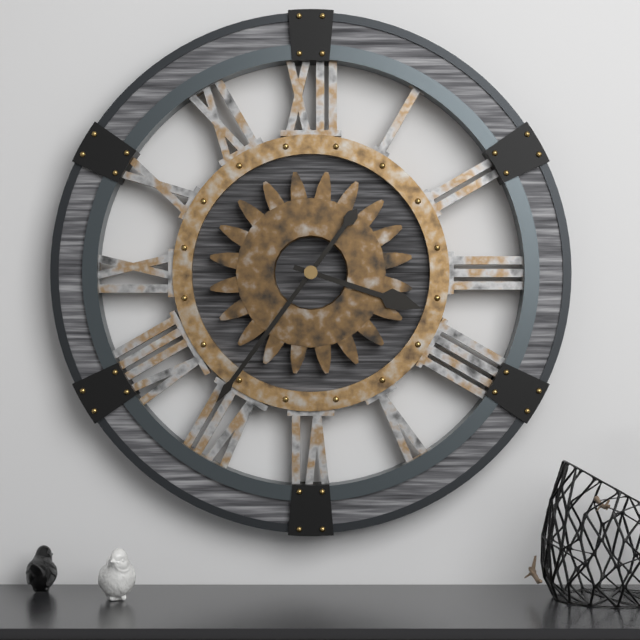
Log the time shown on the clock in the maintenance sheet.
3:36
